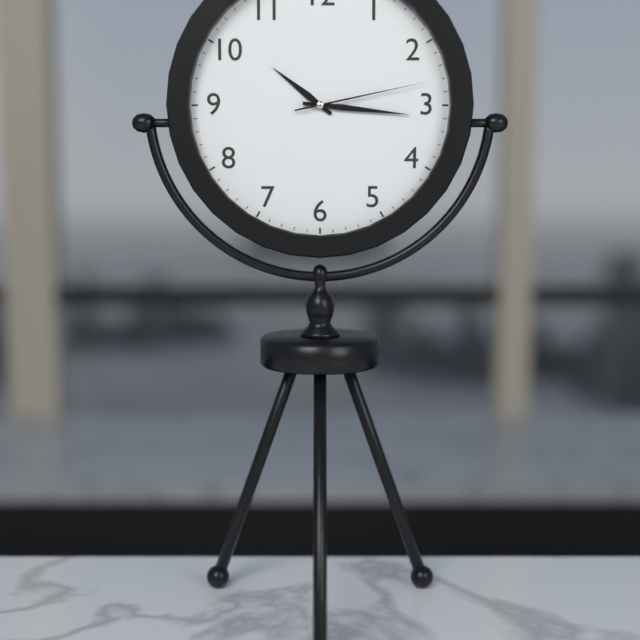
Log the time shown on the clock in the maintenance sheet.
10:16:13
